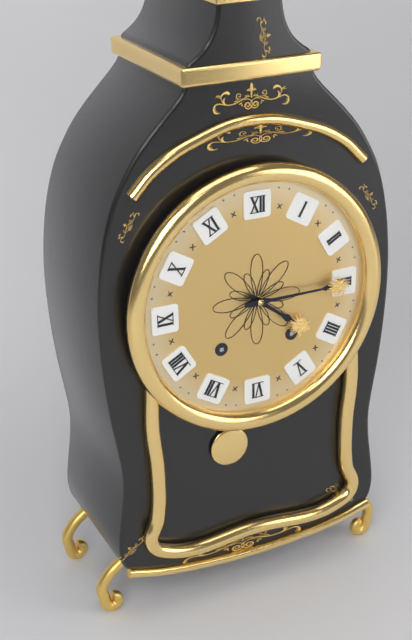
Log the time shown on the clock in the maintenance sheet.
4:15
